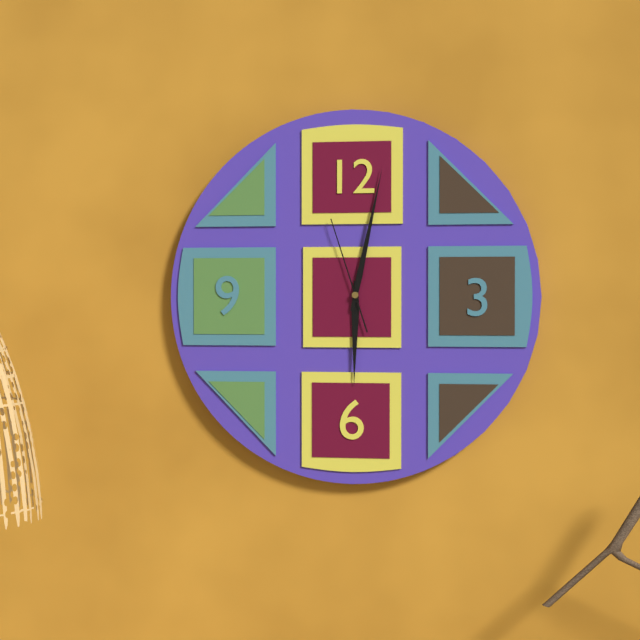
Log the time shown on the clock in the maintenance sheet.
6:02:57
